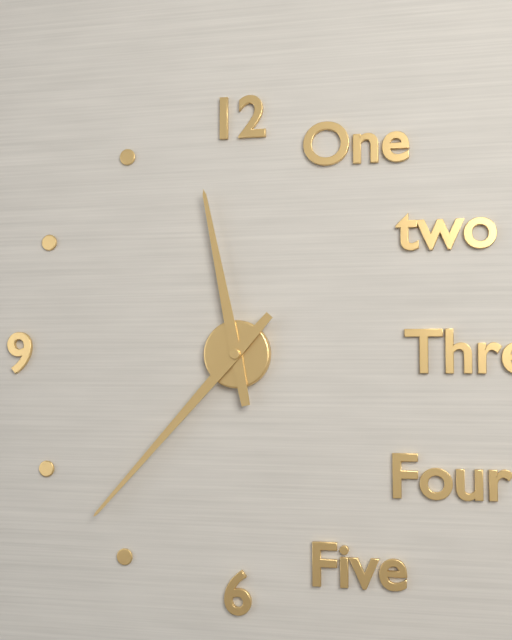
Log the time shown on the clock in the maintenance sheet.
11:37
